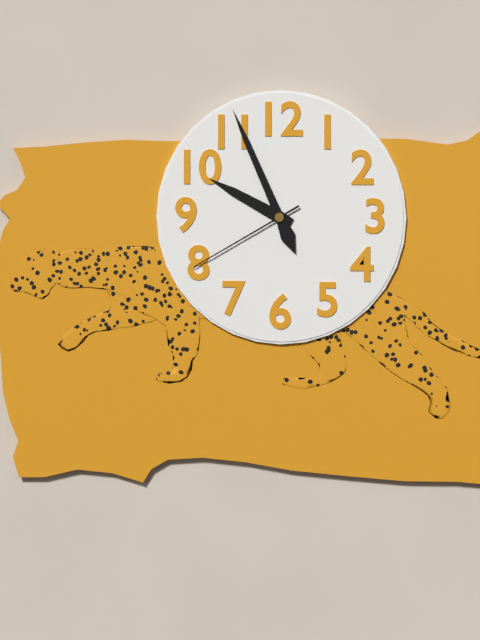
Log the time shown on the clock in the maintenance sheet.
9:56:40
